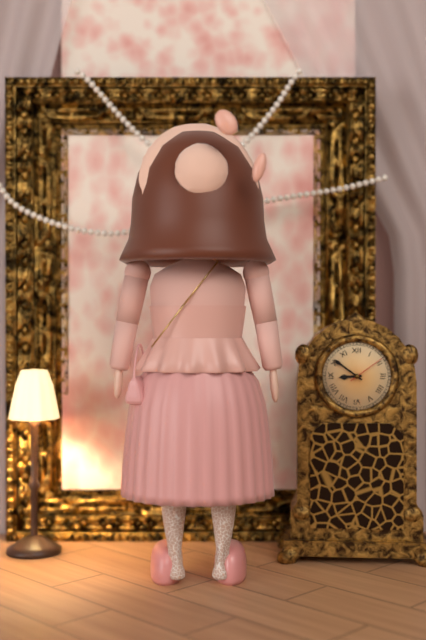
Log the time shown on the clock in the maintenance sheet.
8:51
